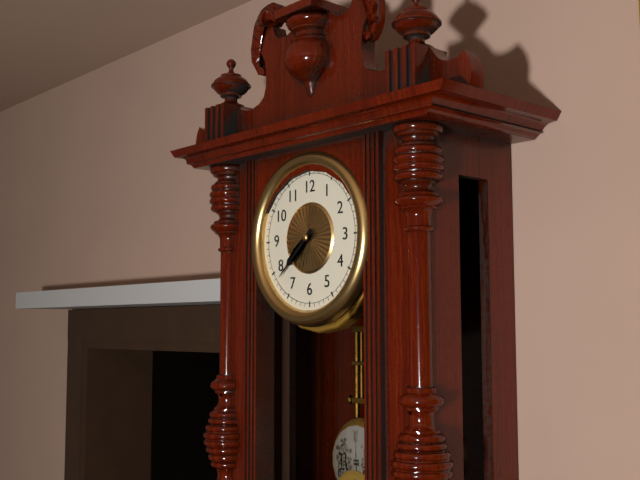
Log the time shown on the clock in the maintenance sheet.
7:38
